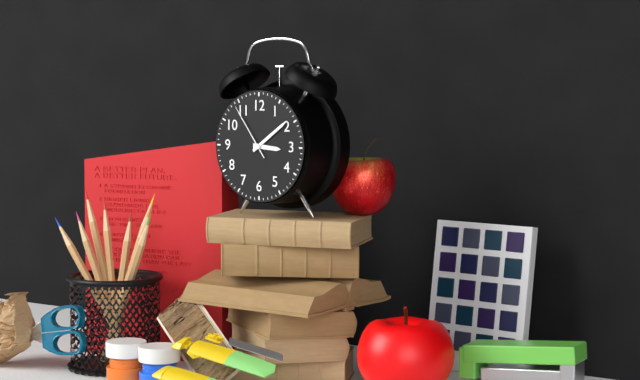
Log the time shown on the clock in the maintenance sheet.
3:09:54
